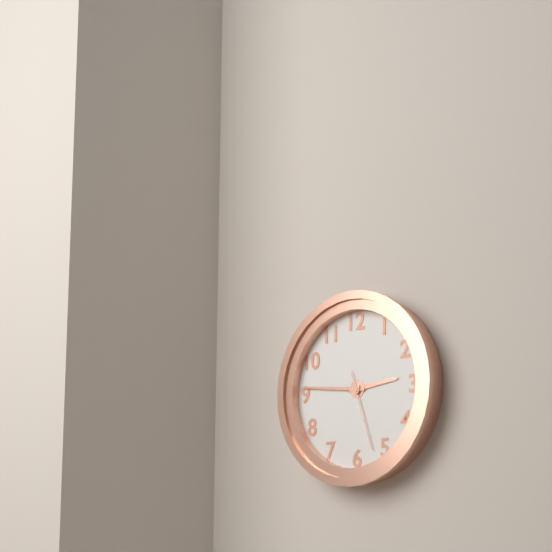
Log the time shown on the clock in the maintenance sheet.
2:46:27
